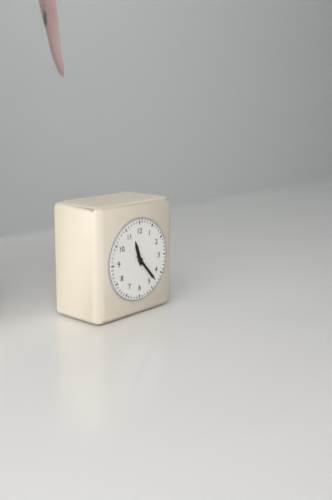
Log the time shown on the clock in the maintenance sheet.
11:23
